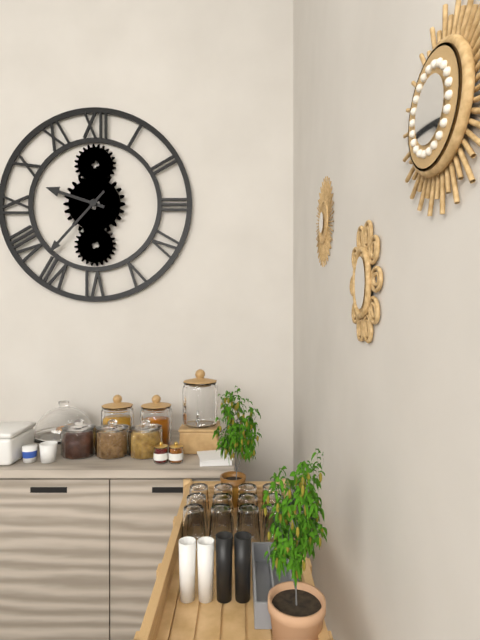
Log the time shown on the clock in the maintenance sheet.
9:37
